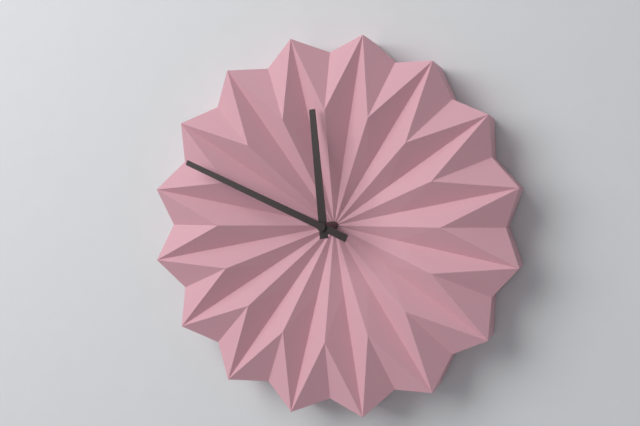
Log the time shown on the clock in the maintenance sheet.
11:49
